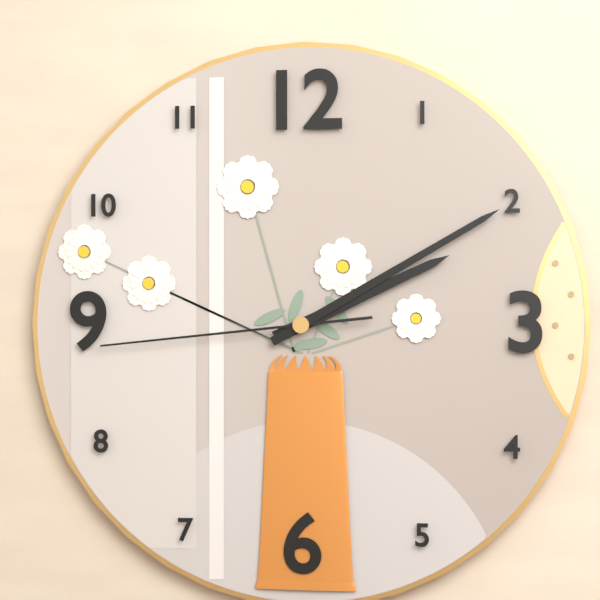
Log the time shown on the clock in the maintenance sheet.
2:10:44
